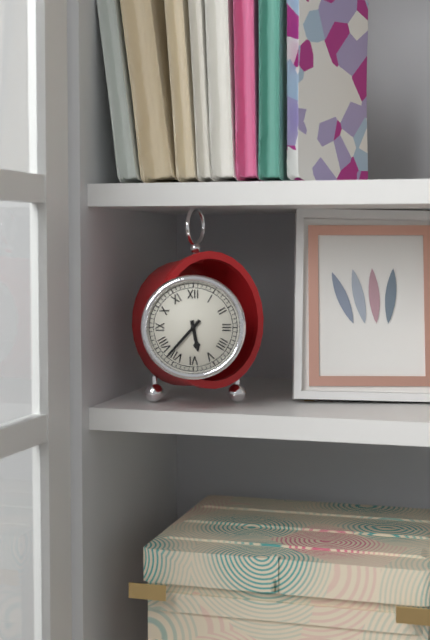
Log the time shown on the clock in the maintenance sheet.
5:37
